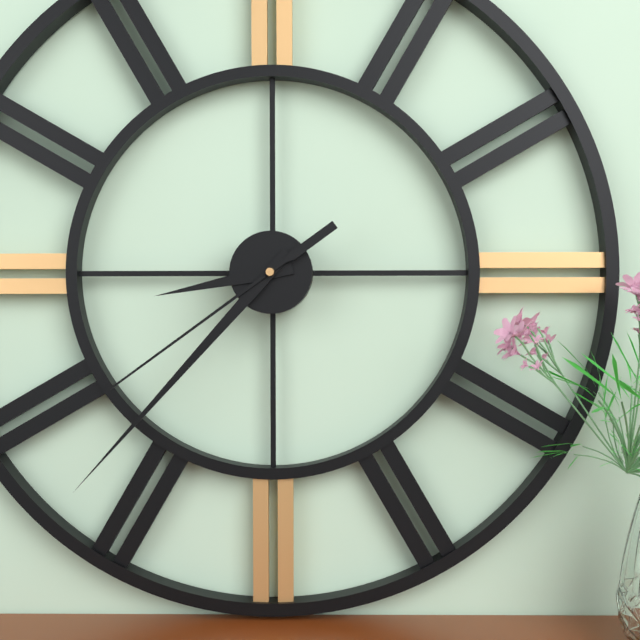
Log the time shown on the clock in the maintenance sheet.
8:37:39
